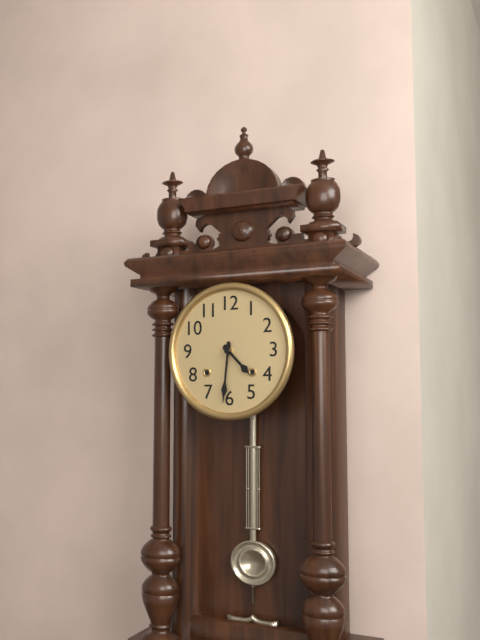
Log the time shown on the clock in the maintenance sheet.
4:31
